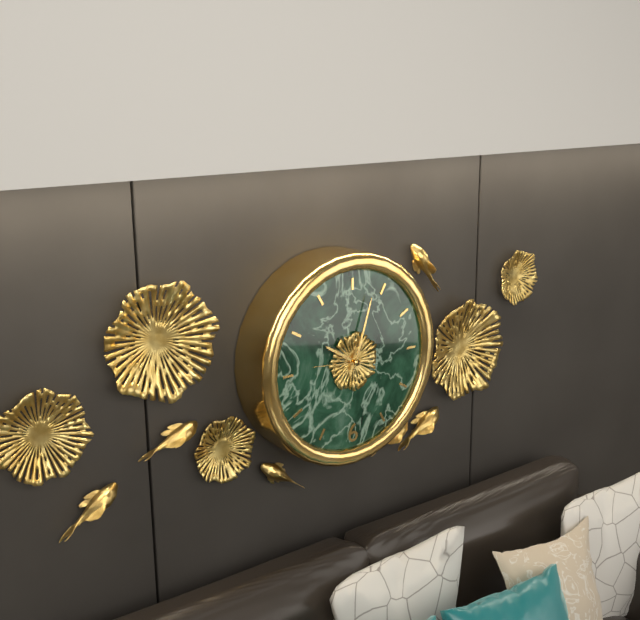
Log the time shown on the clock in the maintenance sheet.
10:03:46
